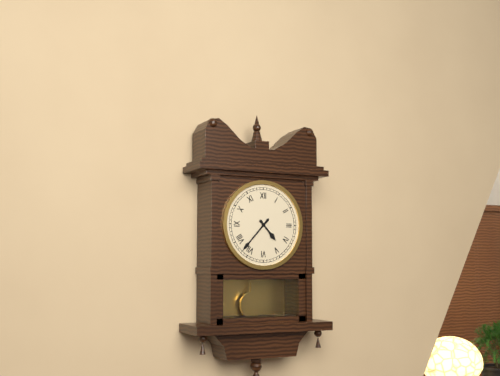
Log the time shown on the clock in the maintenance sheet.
4:37
